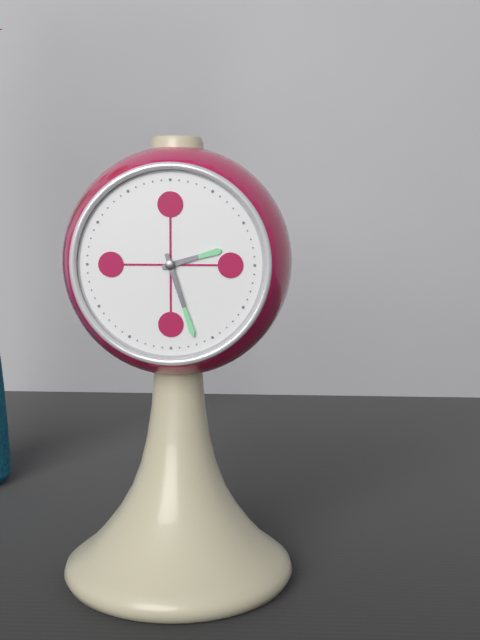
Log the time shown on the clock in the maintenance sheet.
2:27
